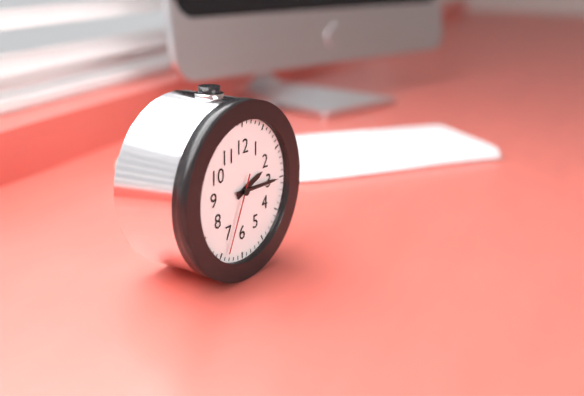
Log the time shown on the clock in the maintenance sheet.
2:15:34
